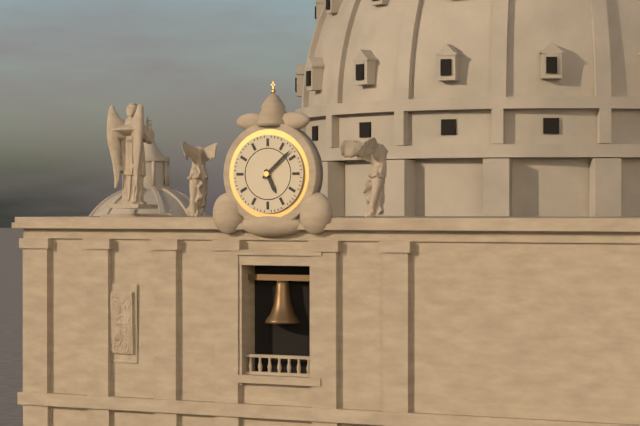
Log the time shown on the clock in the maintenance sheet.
5:08
